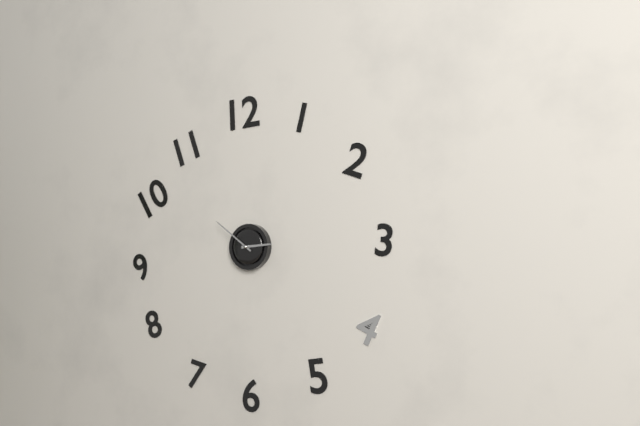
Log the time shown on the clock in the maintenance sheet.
2:51
